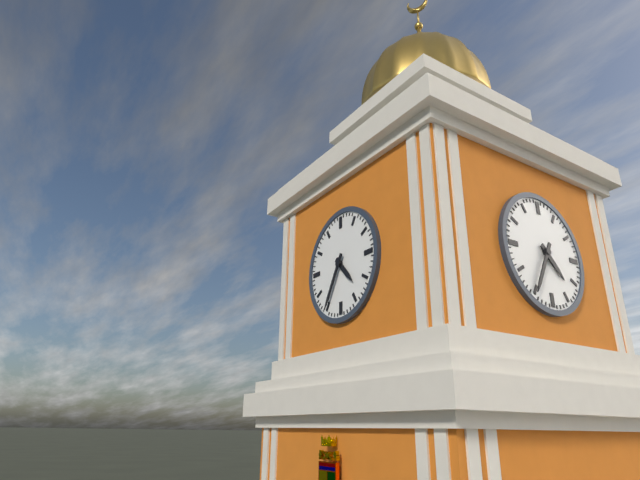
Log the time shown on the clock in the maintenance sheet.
4:35
